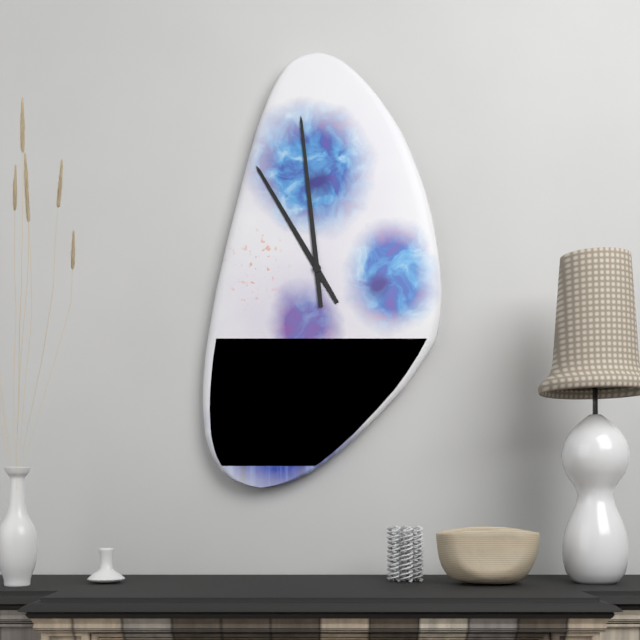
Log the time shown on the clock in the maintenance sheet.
10:59
